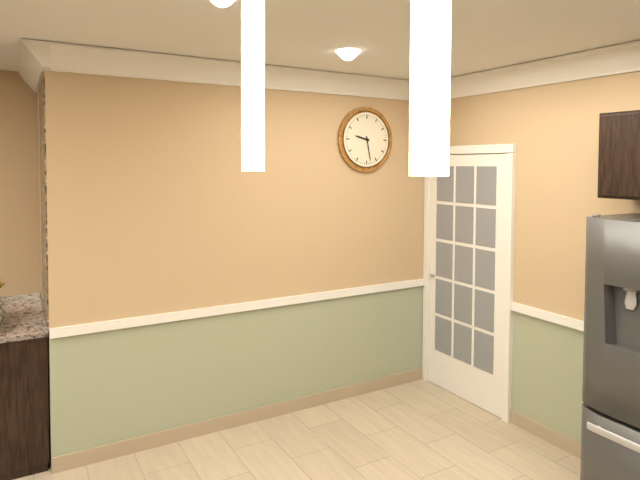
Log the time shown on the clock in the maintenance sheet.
9:28
